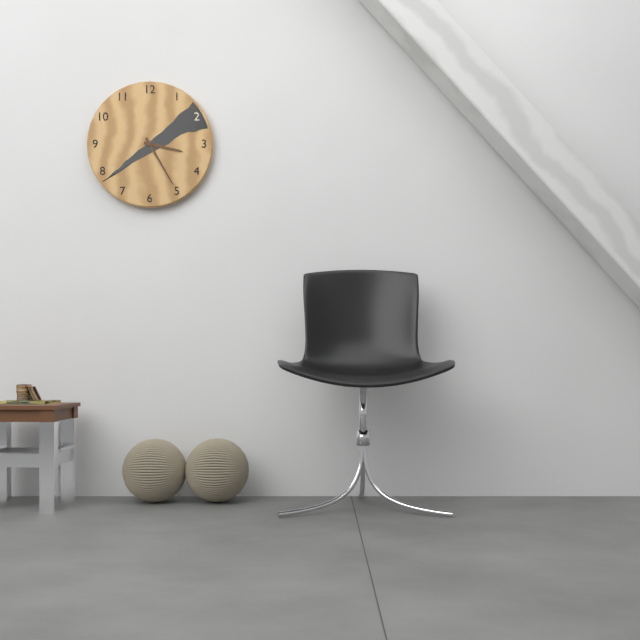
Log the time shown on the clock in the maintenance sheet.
3:25
